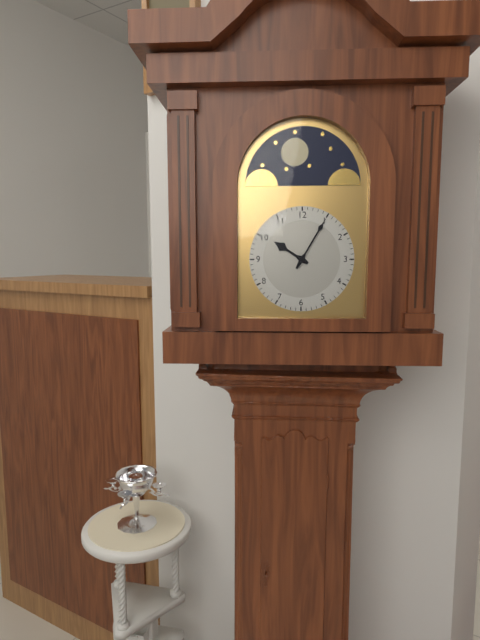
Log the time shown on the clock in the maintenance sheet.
10:05
